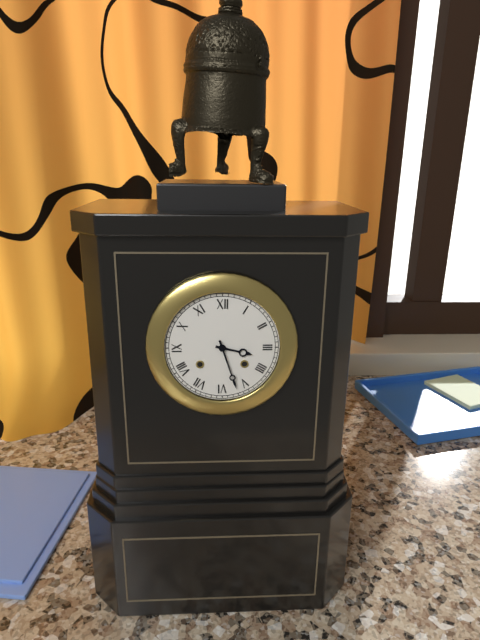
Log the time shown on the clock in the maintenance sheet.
3:27
